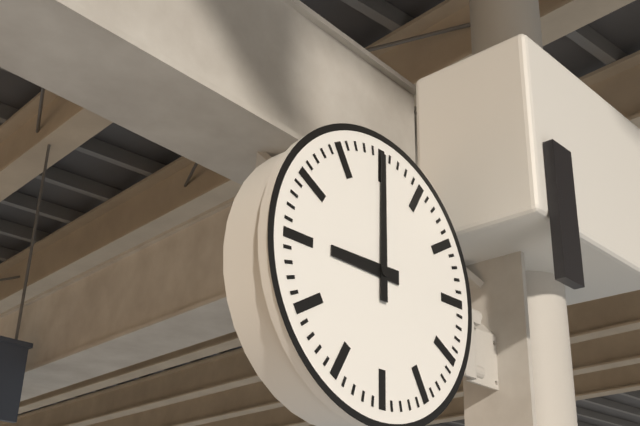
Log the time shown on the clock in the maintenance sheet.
9:00
